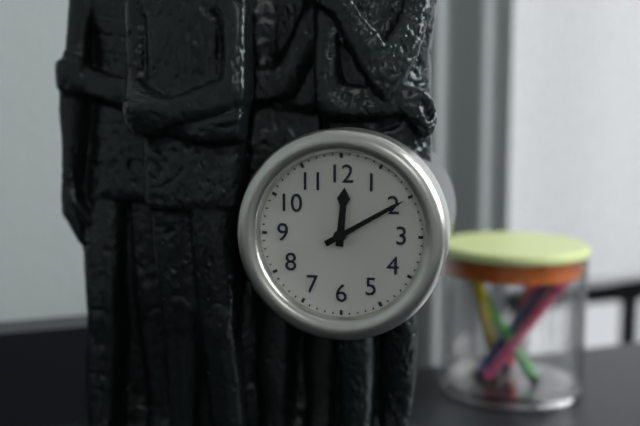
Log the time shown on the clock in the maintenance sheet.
12:10
